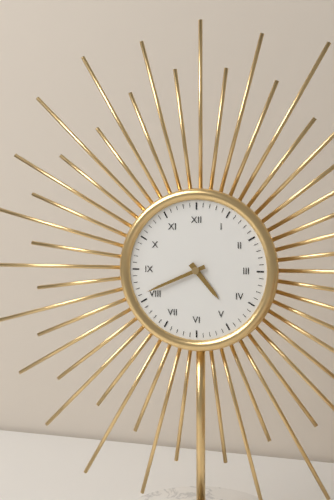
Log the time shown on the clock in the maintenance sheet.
4:41
